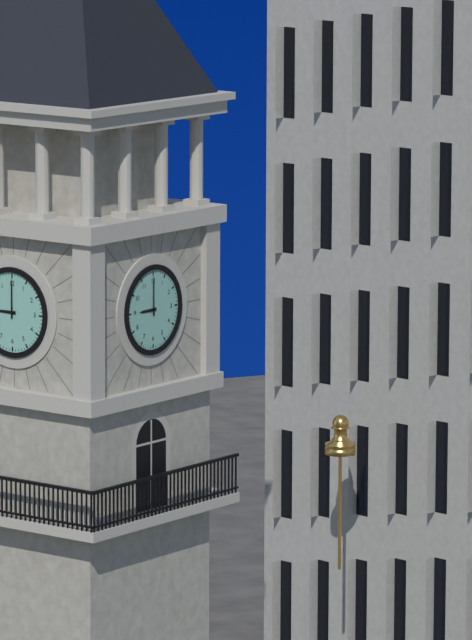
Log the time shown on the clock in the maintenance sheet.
9:00
